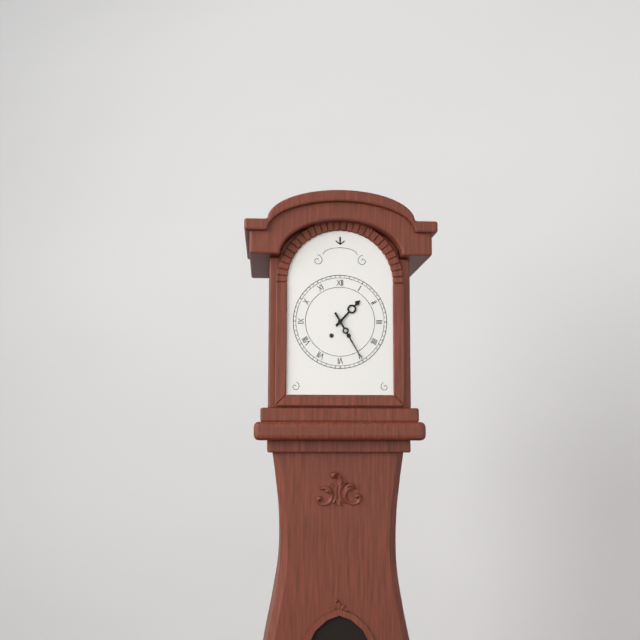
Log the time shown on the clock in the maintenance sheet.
1:25
